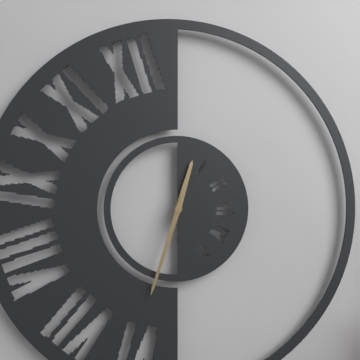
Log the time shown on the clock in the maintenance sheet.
12:33
